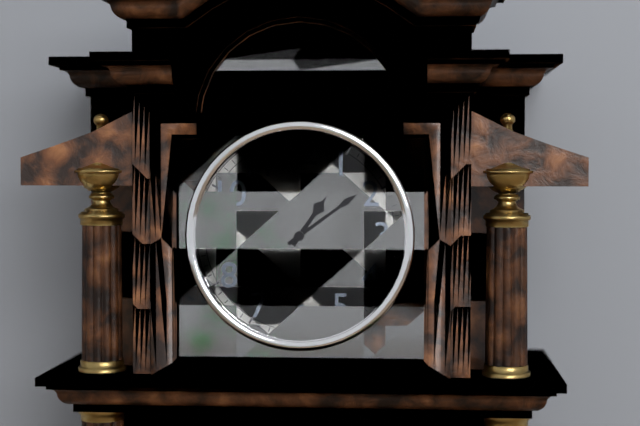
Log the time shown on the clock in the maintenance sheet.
1:09
